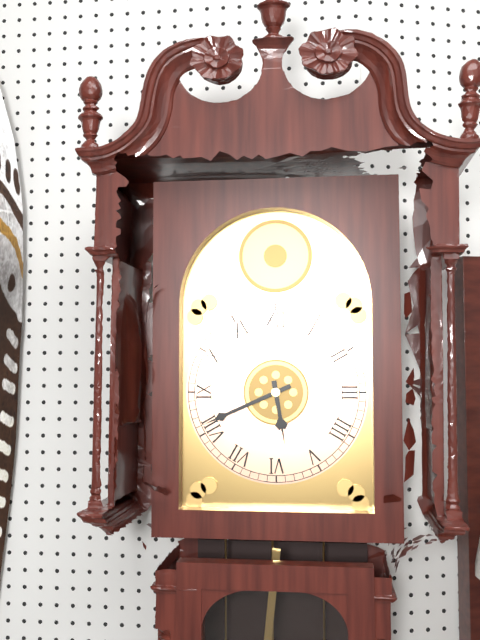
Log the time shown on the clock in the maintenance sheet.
5:41
